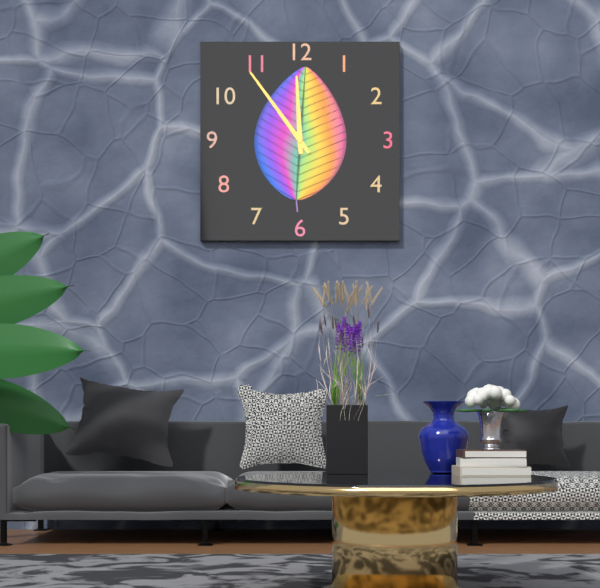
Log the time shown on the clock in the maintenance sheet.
11:54
